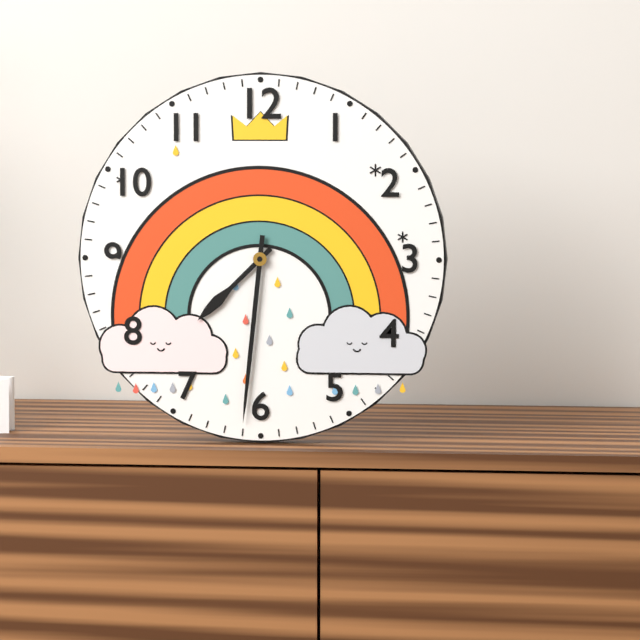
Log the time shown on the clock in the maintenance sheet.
7:31
